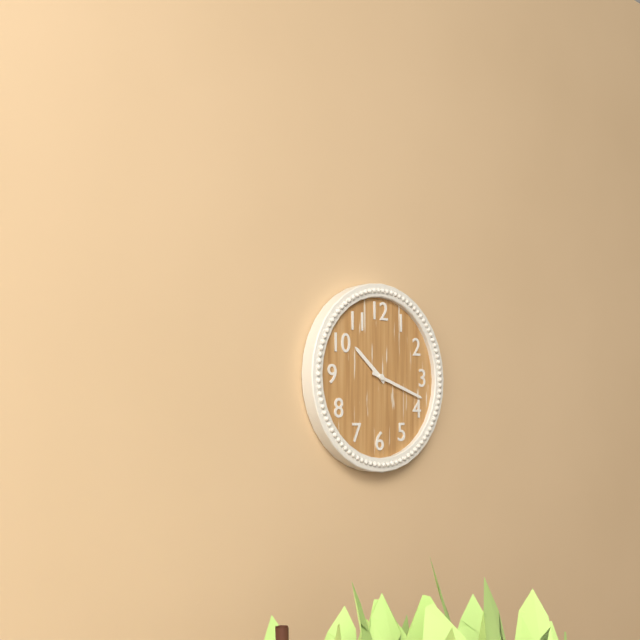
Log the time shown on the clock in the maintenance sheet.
10:18
